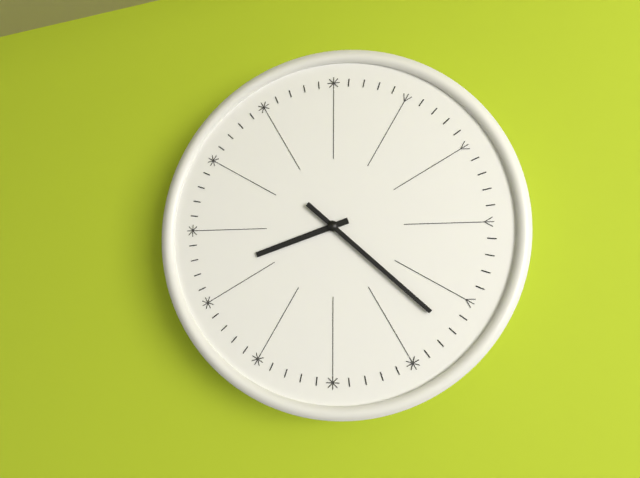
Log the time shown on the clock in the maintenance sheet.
8:22
